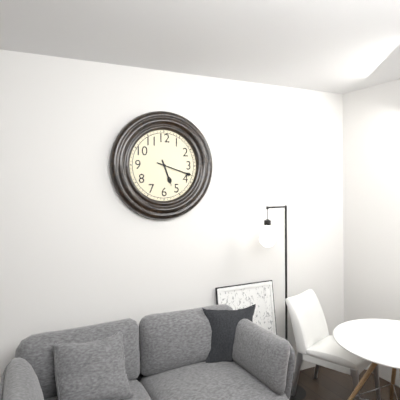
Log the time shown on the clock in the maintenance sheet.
5:18
